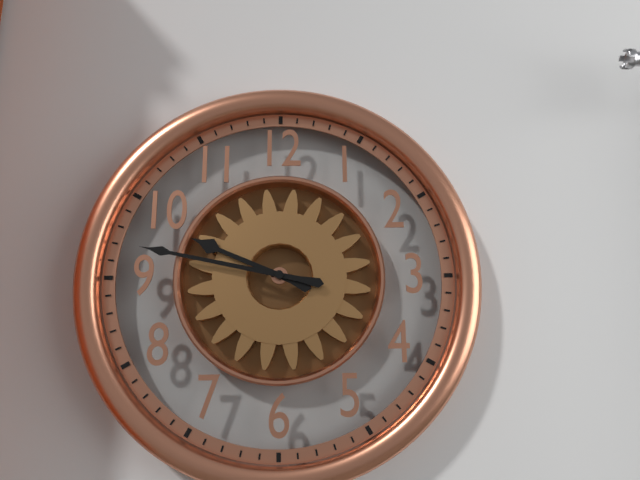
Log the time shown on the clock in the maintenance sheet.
9:47
